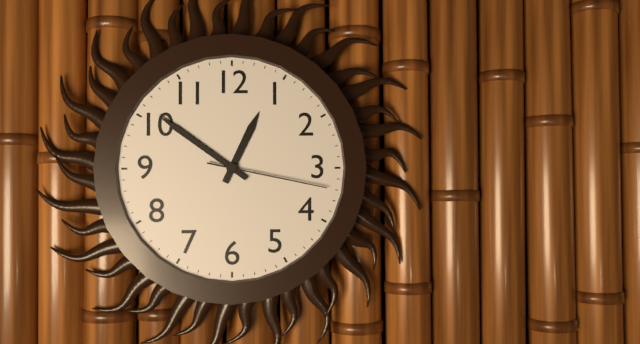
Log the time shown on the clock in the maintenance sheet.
12:51:17
